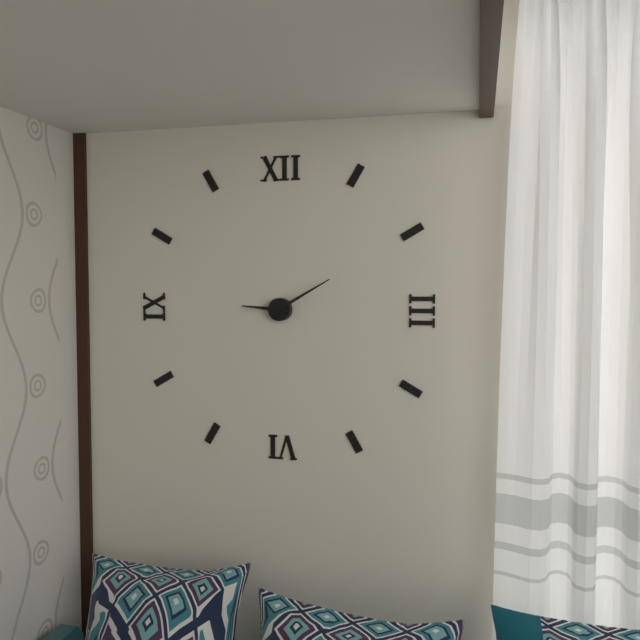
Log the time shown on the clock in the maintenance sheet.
9:10
